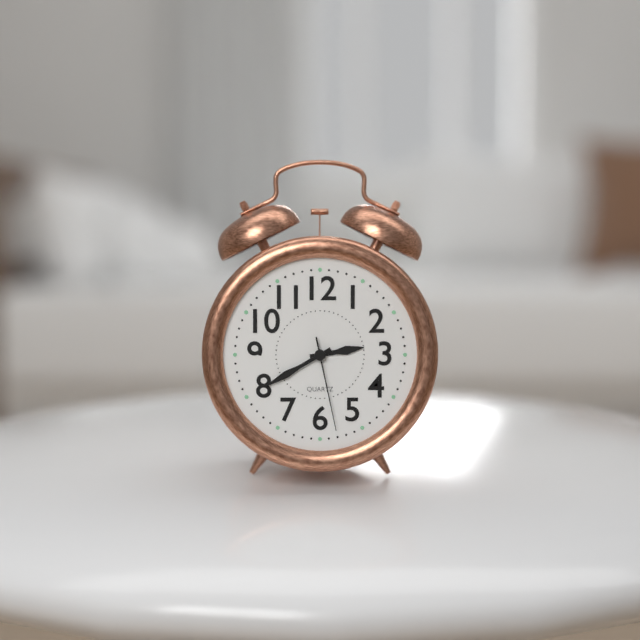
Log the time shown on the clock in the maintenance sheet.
2:40:28
